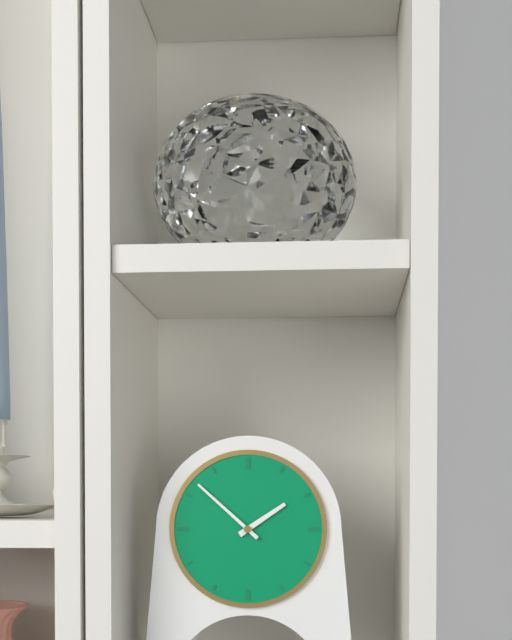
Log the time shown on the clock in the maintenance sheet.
1:52
